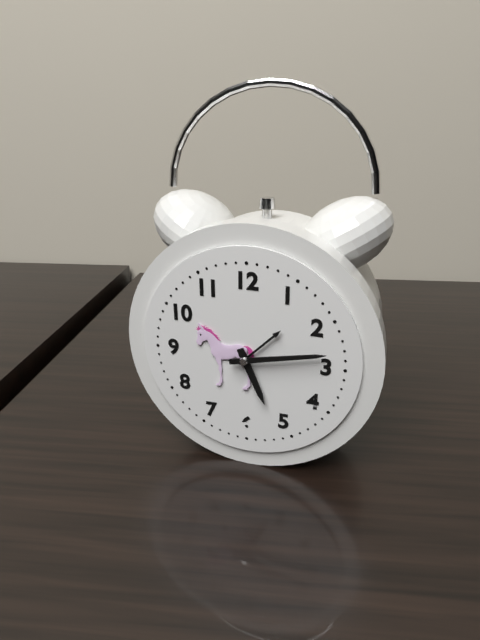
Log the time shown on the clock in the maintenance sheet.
5:13
